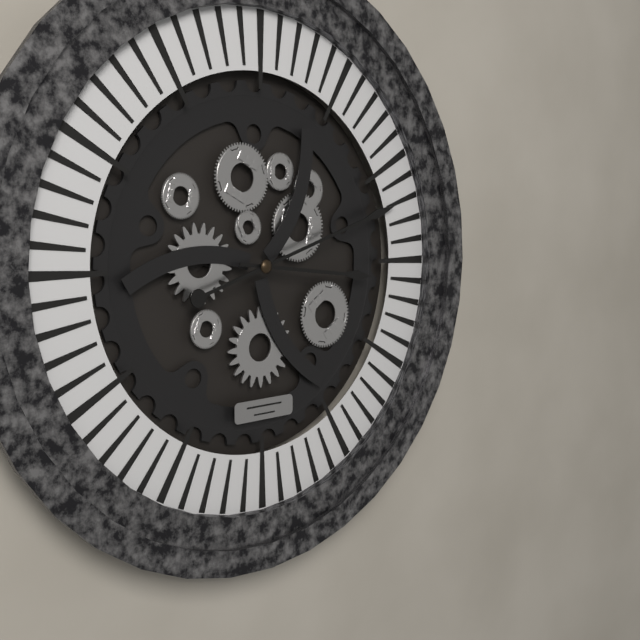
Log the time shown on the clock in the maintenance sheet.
3:12
